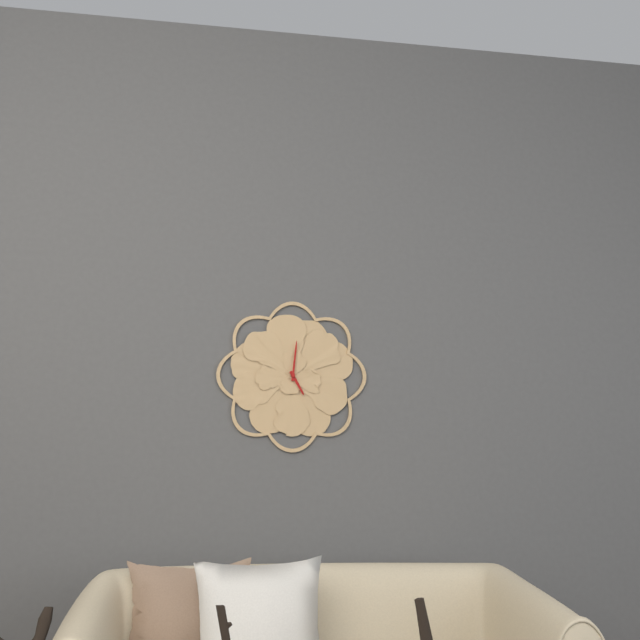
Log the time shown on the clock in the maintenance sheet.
5:01
